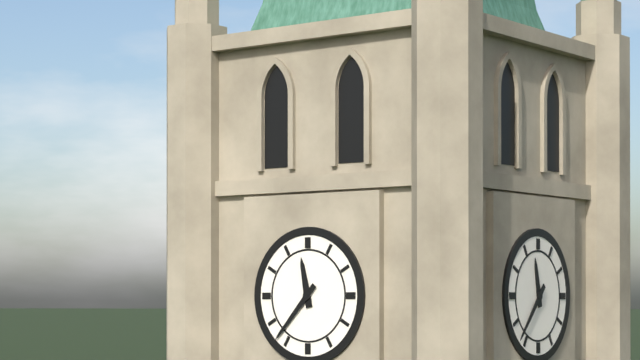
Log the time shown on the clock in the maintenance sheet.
11:37
